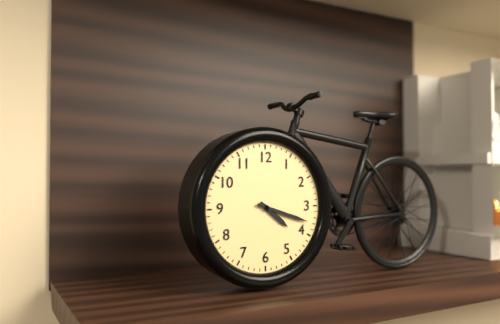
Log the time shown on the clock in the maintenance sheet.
4:18
